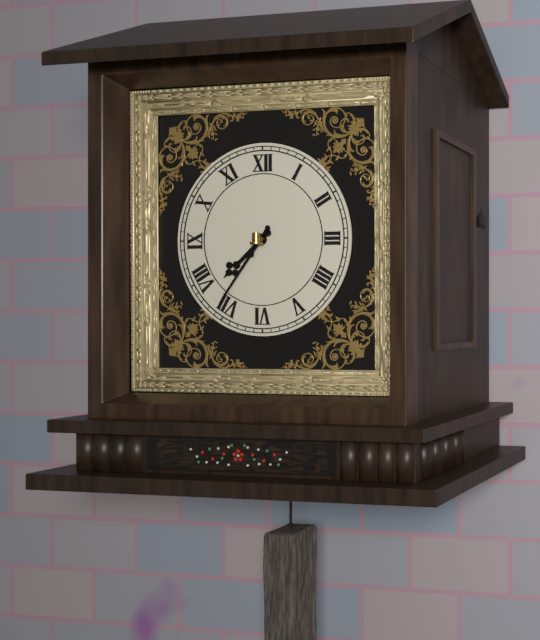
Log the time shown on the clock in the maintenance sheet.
7:36
